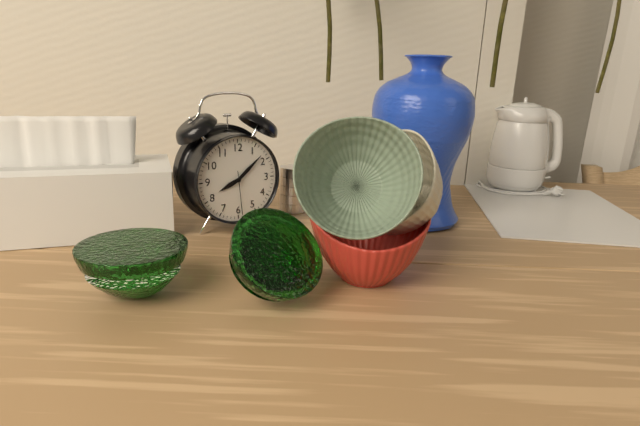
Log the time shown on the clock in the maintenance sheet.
8:08
